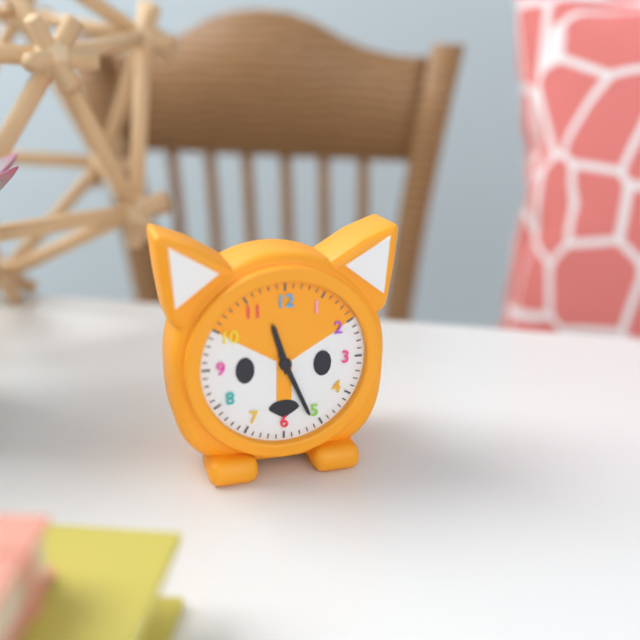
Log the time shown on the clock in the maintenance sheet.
11:26
